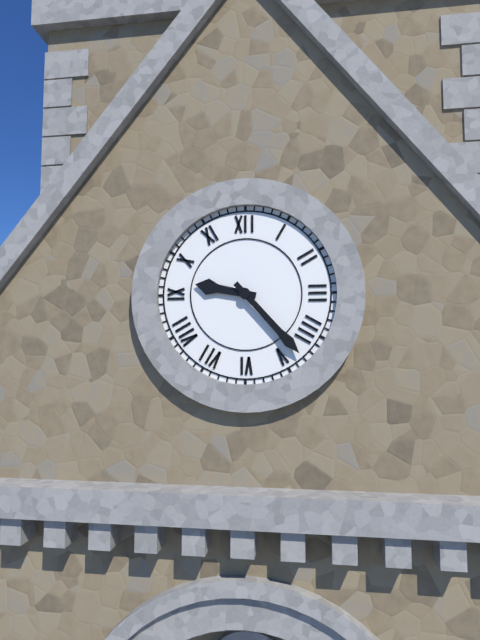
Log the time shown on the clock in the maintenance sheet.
9:23
